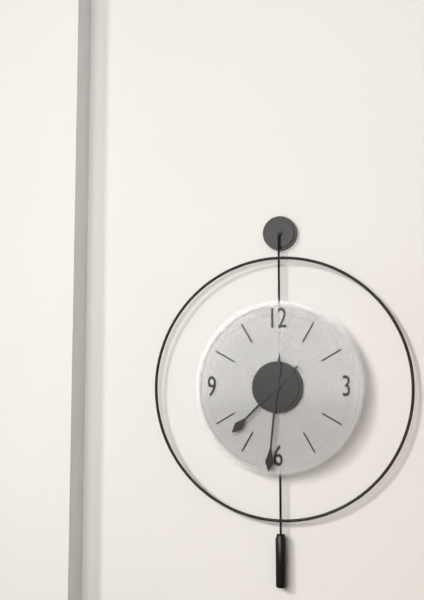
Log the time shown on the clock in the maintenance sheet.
7:31
